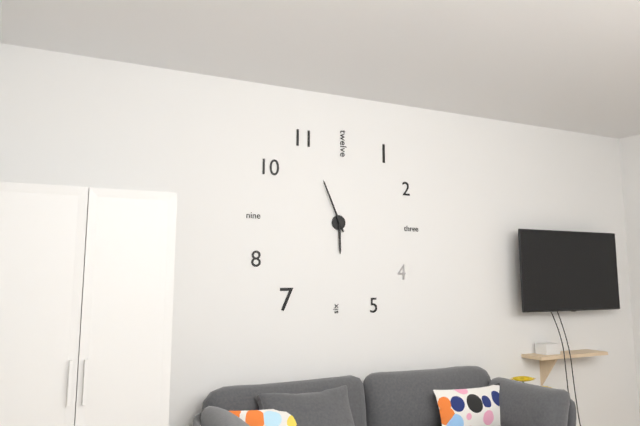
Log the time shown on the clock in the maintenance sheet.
5:56
